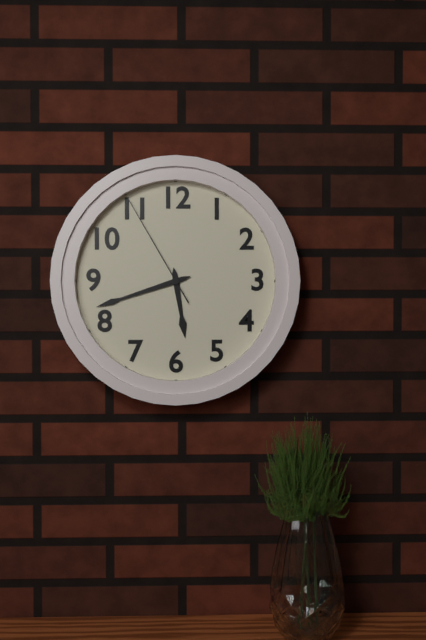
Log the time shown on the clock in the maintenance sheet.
5:42:55
